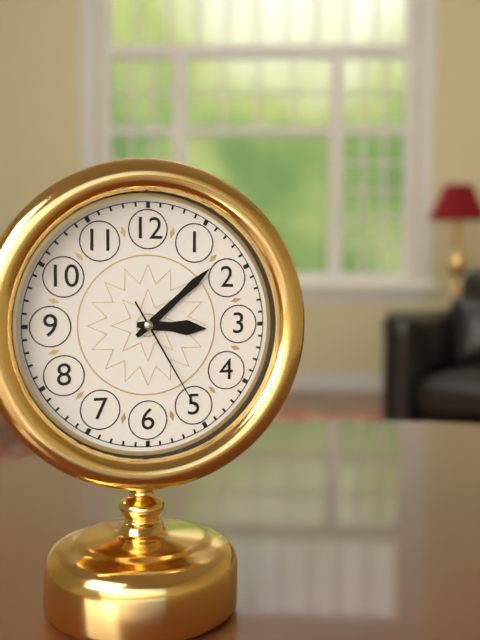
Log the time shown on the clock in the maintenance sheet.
3:08:25
